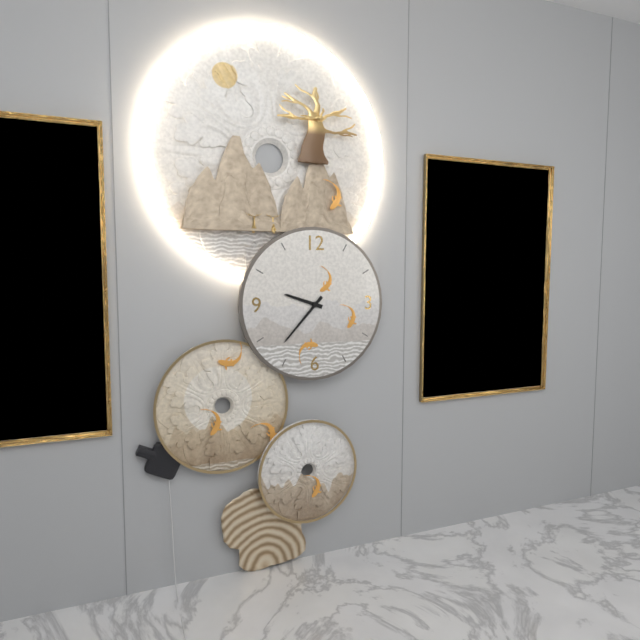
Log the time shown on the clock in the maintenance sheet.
9:37
